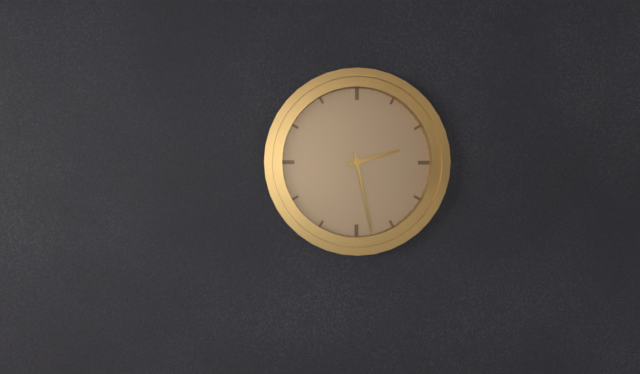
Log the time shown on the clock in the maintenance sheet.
2:28
